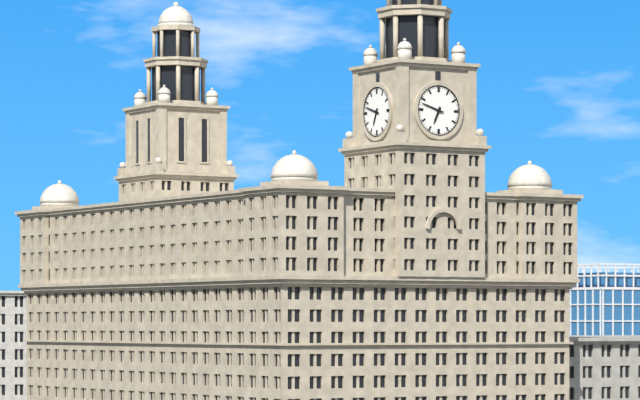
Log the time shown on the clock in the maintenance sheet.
6:48
